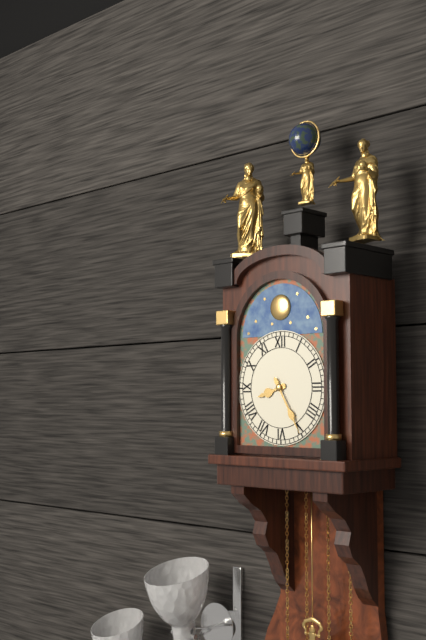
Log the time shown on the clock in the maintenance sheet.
8:25
